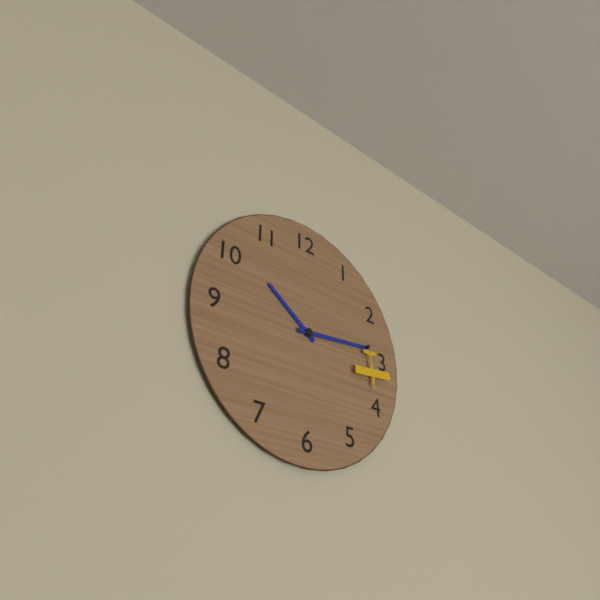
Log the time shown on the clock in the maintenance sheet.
10:14
